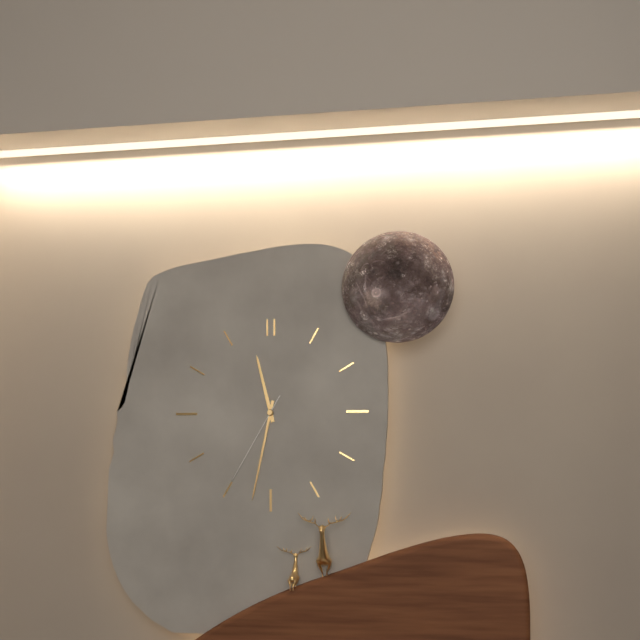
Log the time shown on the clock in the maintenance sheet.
11:32:35
